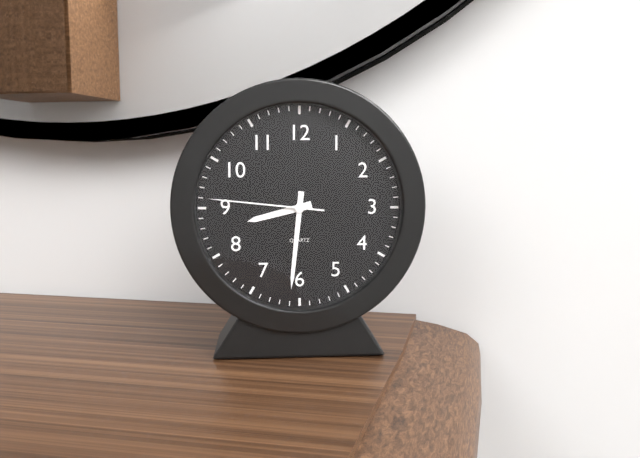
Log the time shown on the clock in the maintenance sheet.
8:31:46
